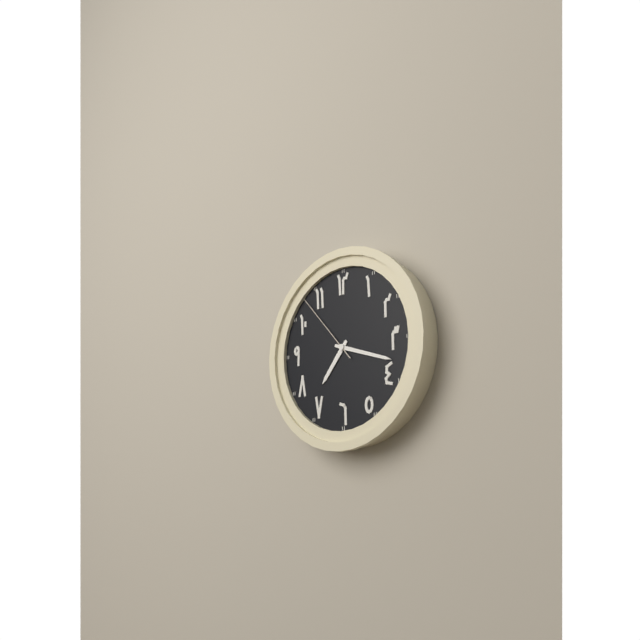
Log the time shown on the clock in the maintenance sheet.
7:18:53
